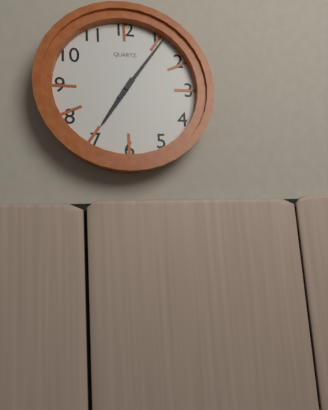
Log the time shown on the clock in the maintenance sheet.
7:06
